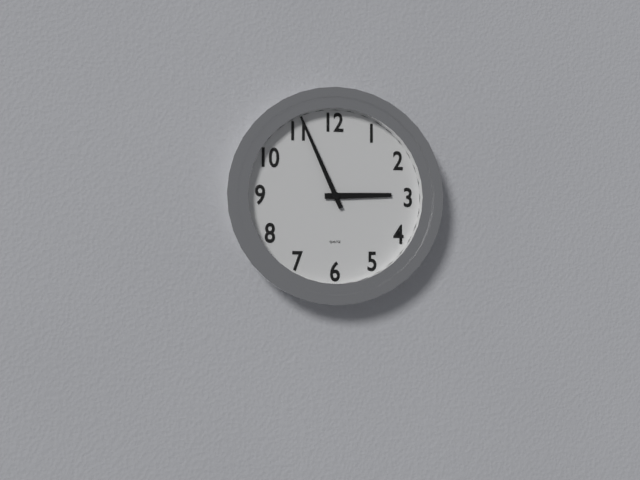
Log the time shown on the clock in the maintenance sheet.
2:56
